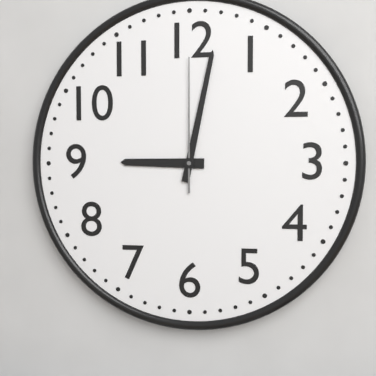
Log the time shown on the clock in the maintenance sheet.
9:02:00
